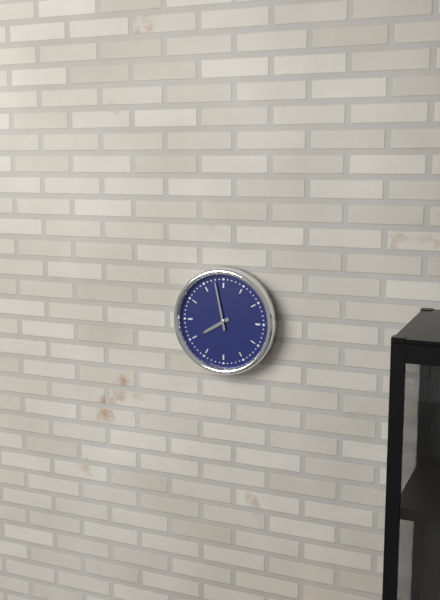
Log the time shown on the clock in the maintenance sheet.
7:58
